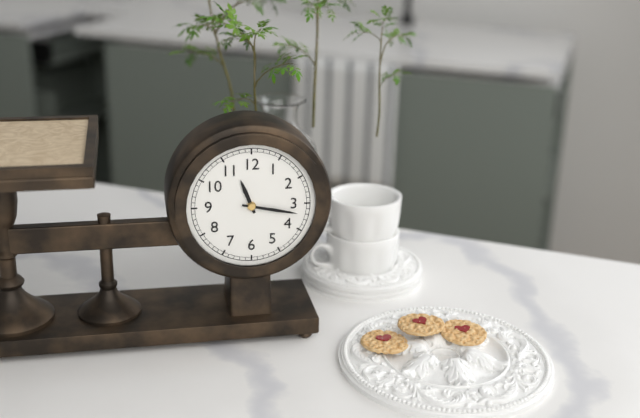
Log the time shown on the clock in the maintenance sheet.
11:17
